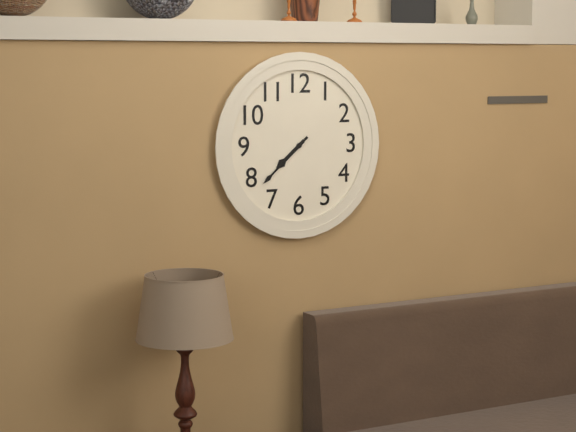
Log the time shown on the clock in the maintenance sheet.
7:38
